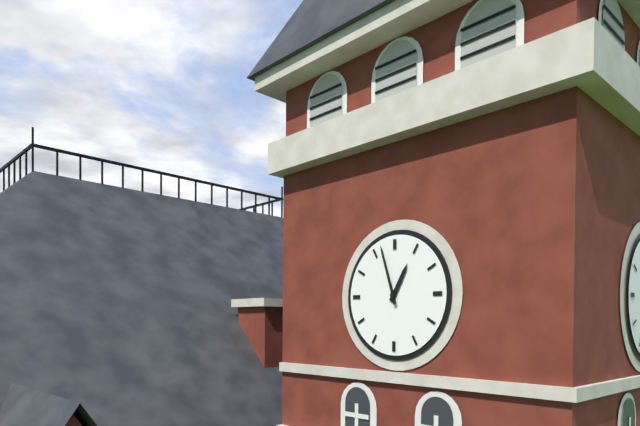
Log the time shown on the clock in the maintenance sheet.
12:57
